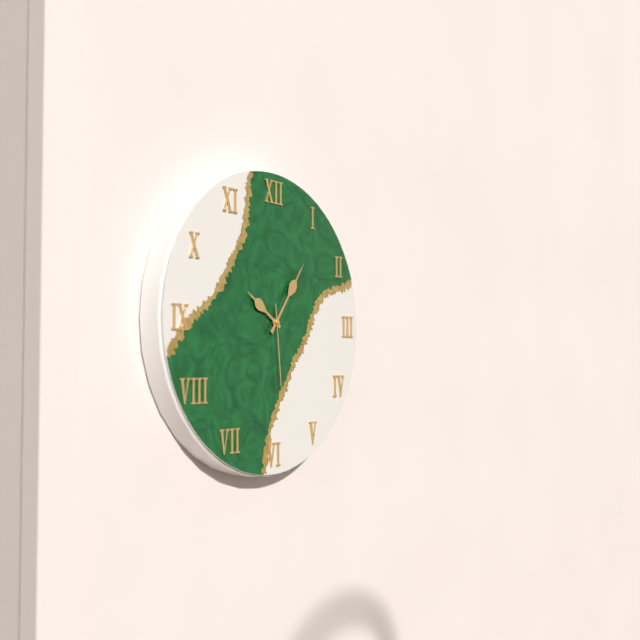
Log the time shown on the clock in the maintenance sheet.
10:06:29
